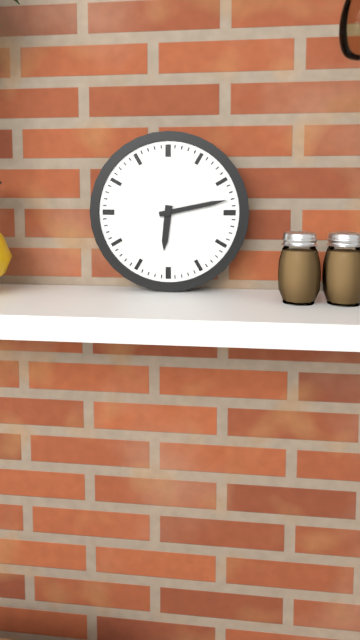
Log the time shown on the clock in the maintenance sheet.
6:13
